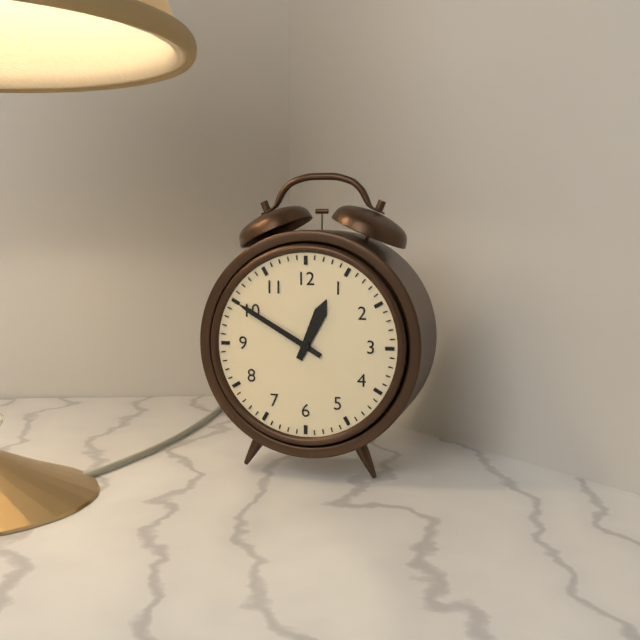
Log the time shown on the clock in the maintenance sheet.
12:50
